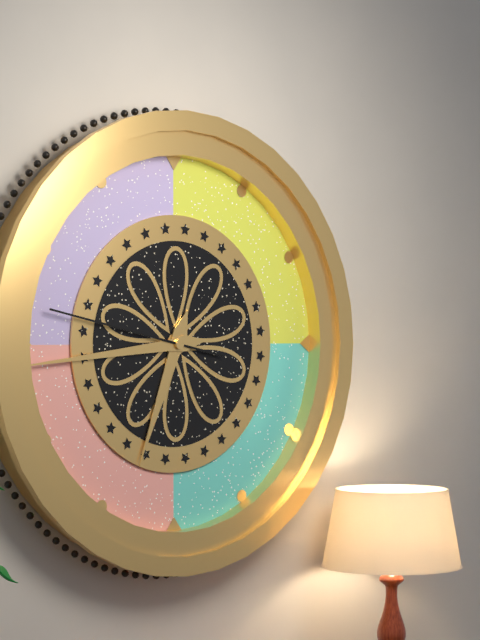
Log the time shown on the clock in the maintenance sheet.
6:44:47
